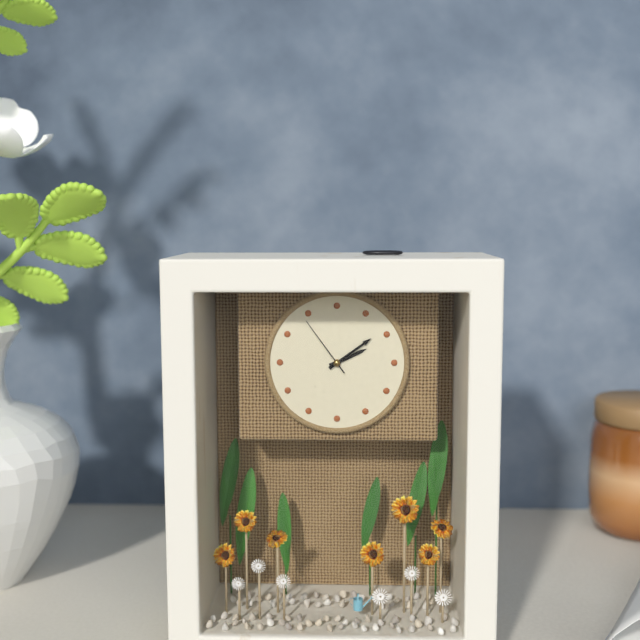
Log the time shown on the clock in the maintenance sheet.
2:09:54
